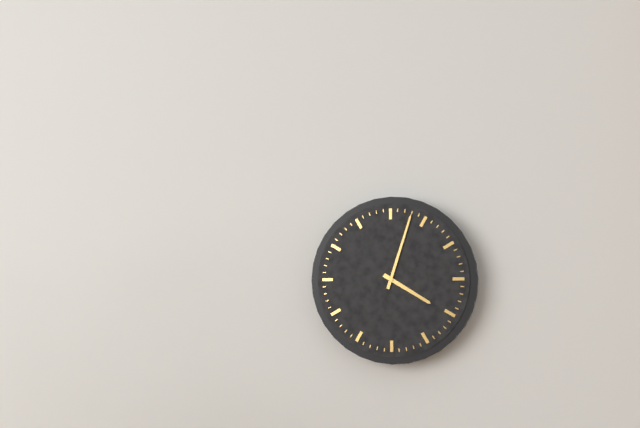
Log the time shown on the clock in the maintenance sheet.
4:03
